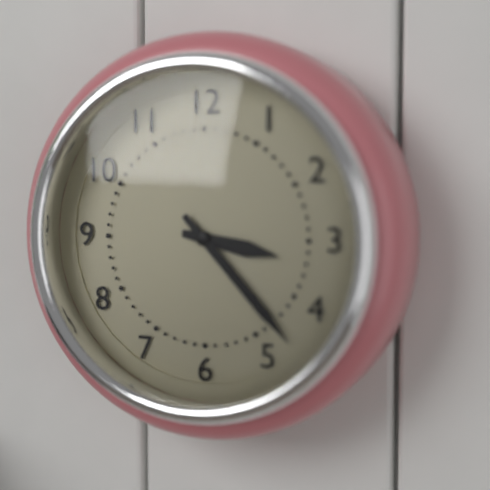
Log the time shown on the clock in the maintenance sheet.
3:23
